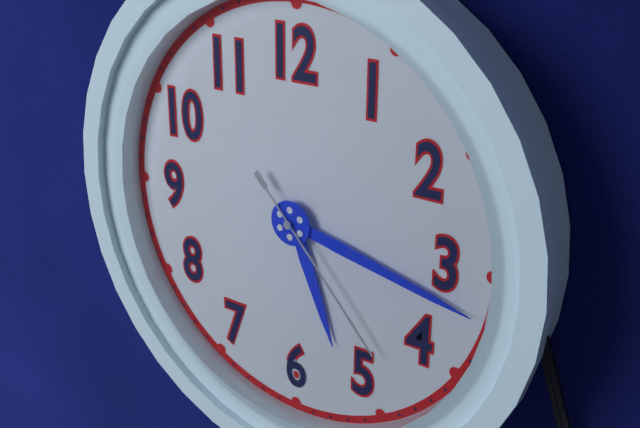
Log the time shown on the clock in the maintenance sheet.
5:17:23
